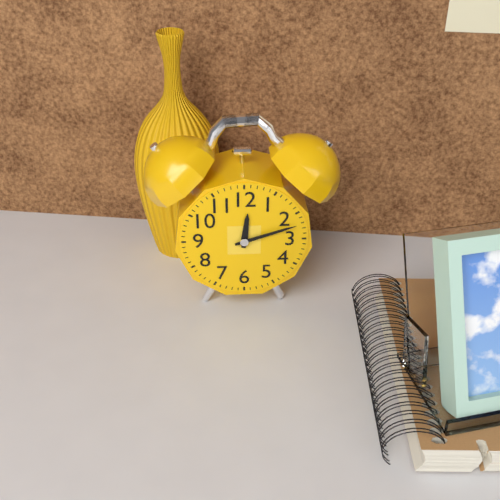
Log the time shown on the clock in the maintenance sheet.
12:12
